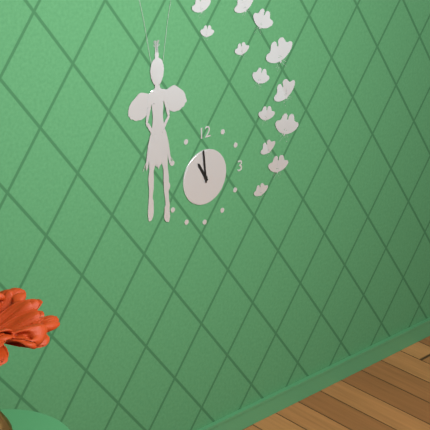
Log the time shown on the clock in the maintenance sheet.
10:59
